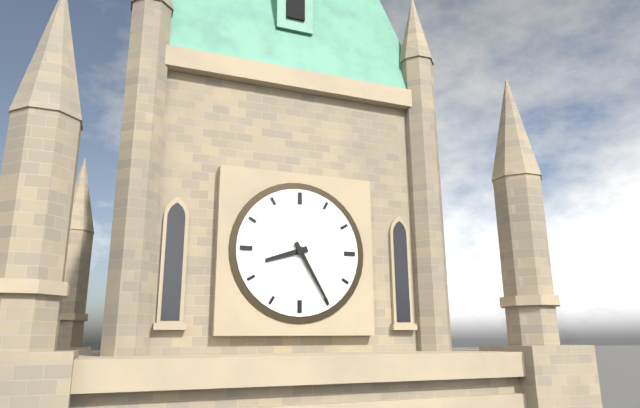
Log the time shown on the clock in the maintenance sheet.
8:25
